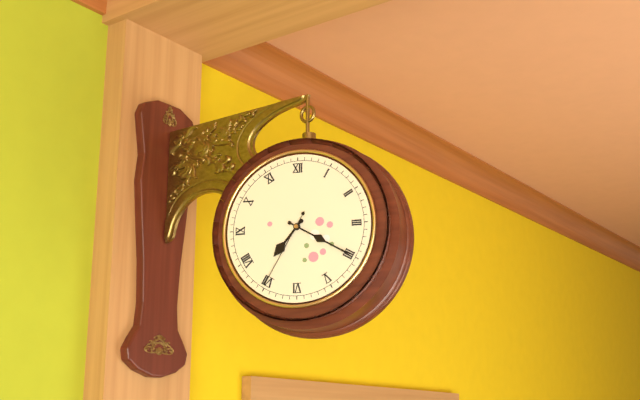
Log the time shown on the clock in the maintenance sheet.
7:20:35
